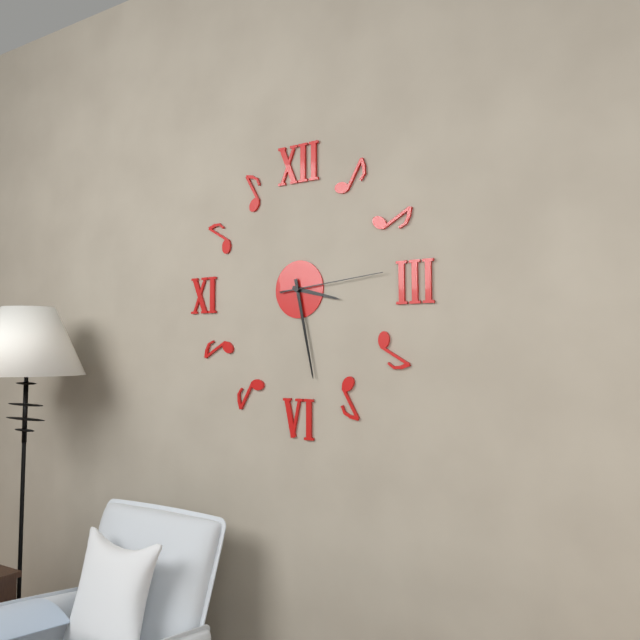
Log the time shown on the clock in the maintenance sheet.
3:28:14
